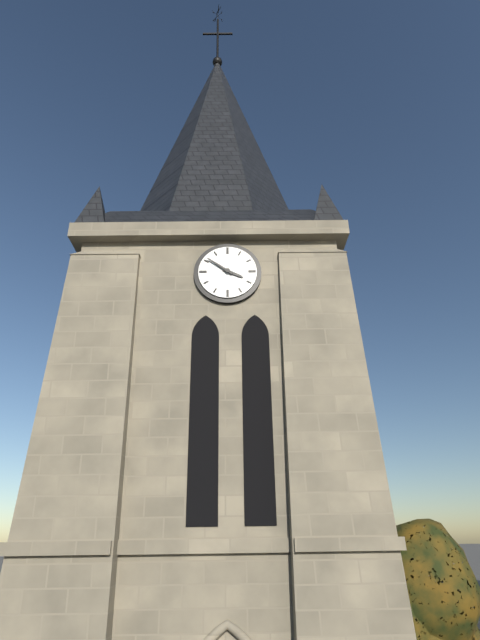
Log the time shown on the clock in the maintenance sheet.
3:51
